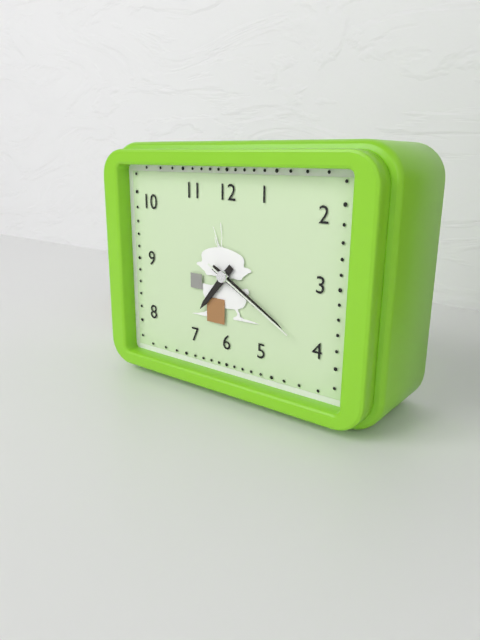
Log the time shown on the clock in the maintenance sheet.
7:20:20
